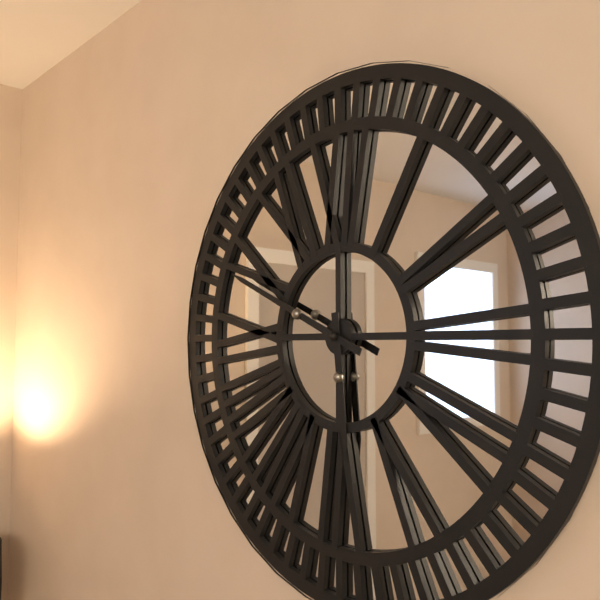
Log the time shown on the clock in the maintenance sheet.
5:49
